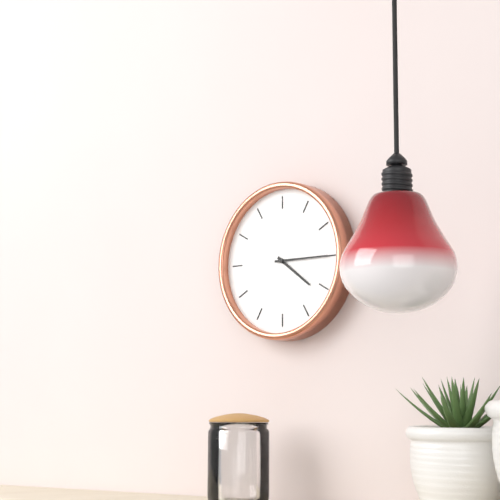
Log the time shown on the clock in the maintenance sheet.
4:15
